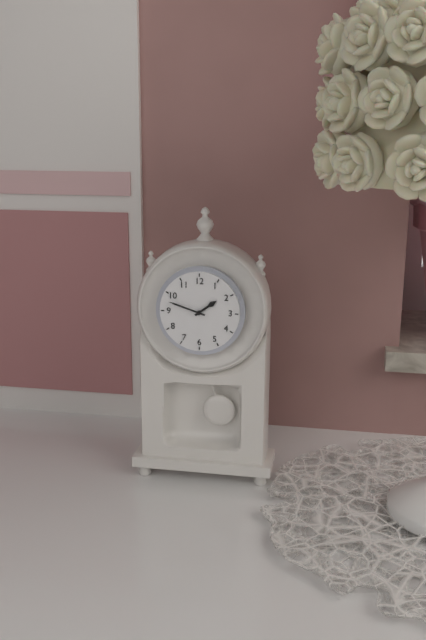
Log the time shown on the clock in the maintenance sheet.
1:48
